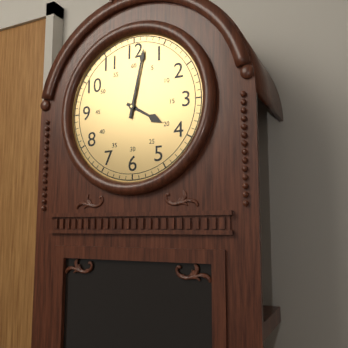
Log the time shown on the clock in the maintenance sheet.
4:02
